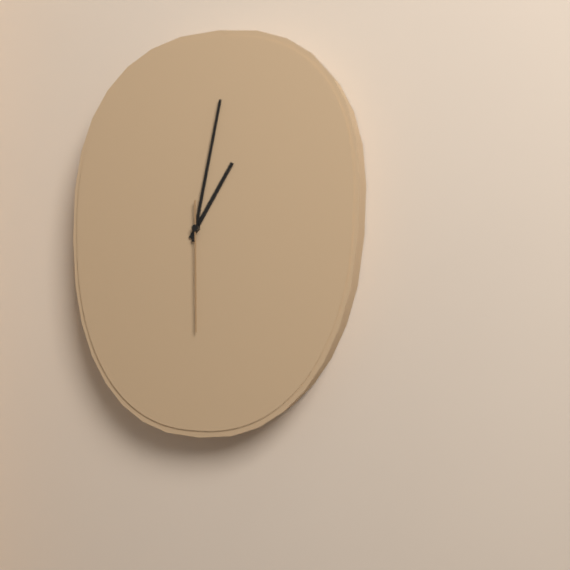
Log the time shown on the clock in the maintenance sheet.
1:02:30
